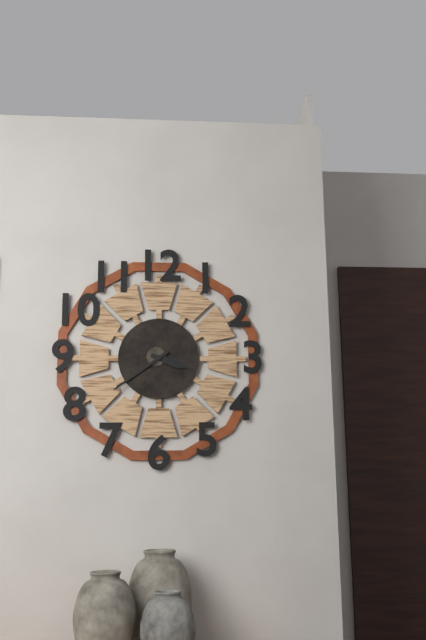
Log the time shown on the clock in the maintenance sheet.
3:39
